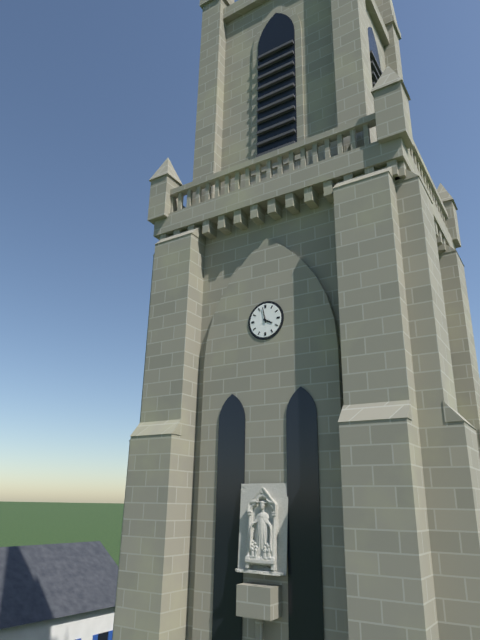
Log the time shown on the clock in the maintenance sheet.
3:58
